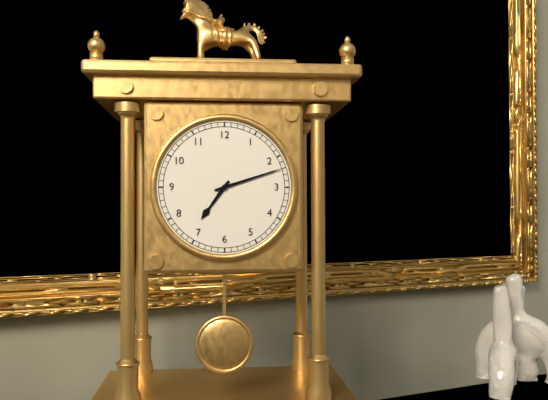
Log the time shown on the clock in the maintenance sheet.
7:12
